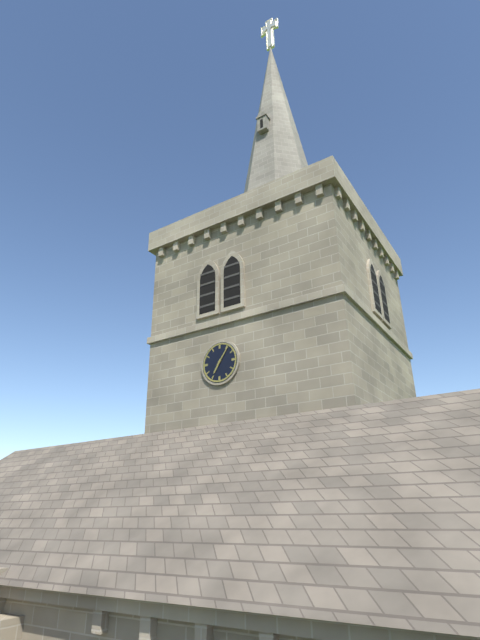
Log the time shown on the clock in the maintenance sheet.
7:06
